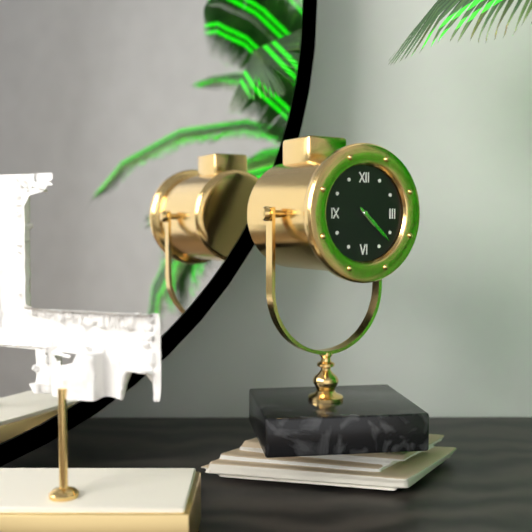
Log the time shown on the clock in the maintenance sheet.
4:22
